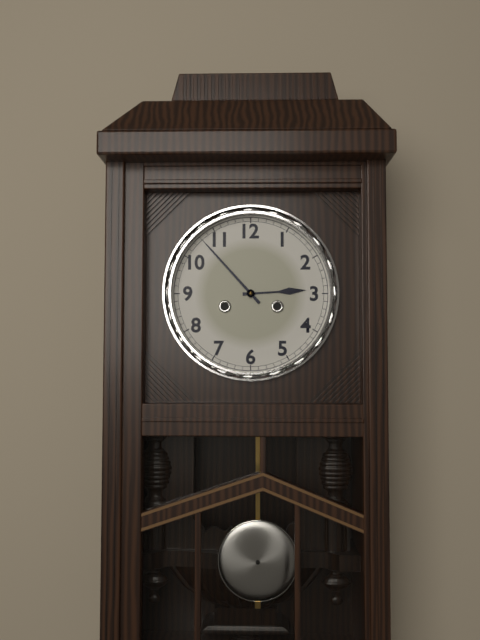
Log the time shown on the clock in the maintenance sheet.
2:53
